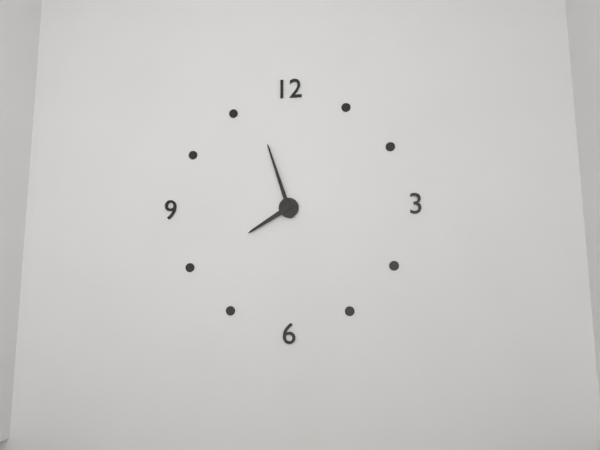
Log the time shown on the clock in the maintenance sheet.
7:57
